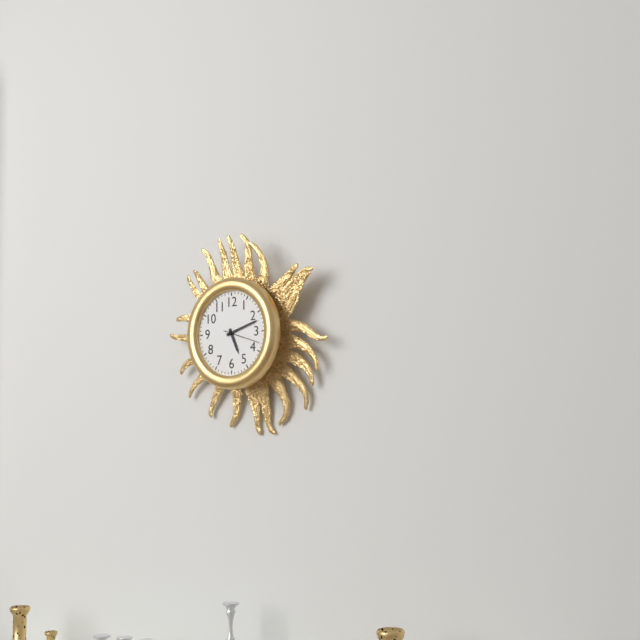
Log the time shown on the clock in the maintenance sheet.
5:12
